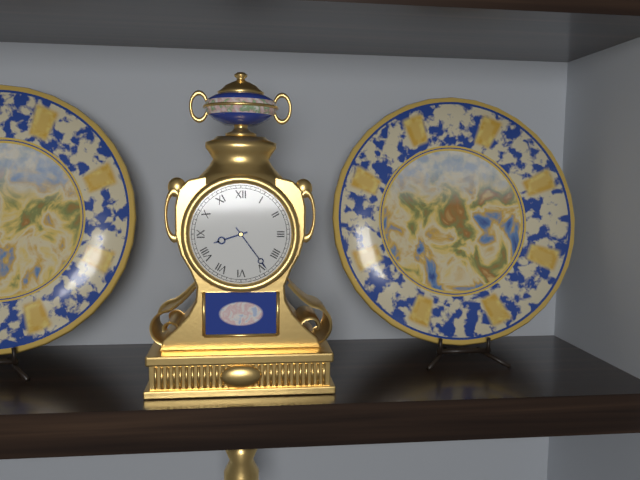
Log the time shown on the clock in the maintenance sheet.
8:24
